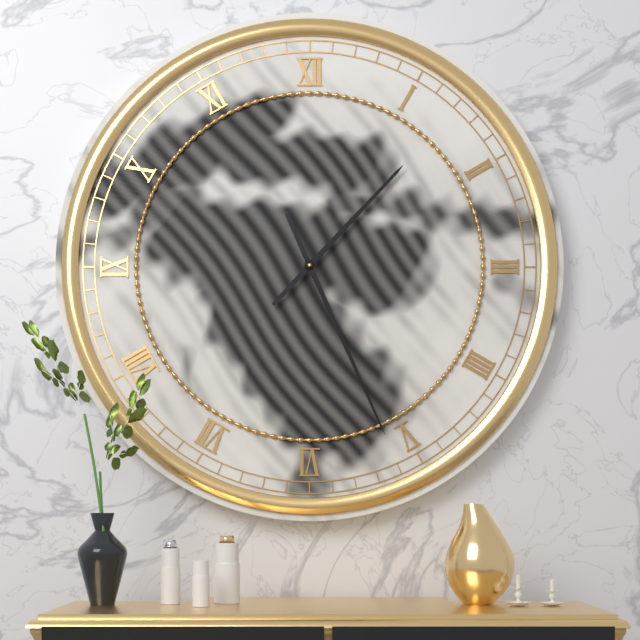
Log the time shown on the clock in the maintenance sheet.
1:26
